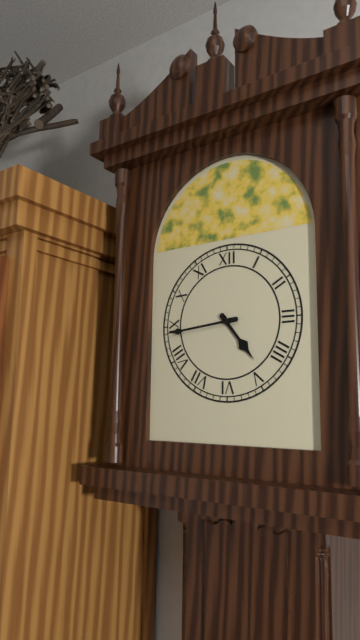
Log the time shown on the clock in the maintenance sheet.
4:44
